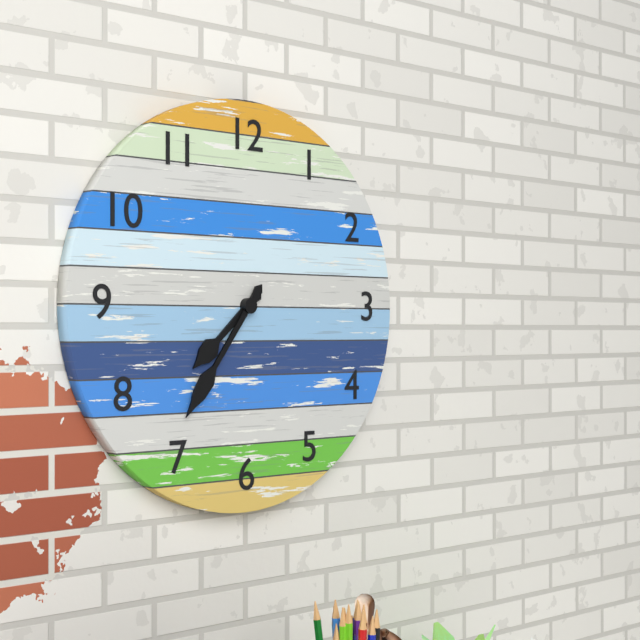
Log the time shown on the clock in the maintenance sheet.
7:36
